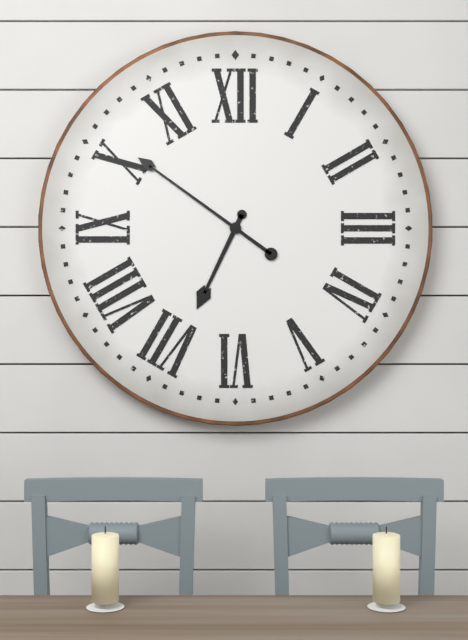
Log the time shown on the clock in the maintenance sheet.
6:51
